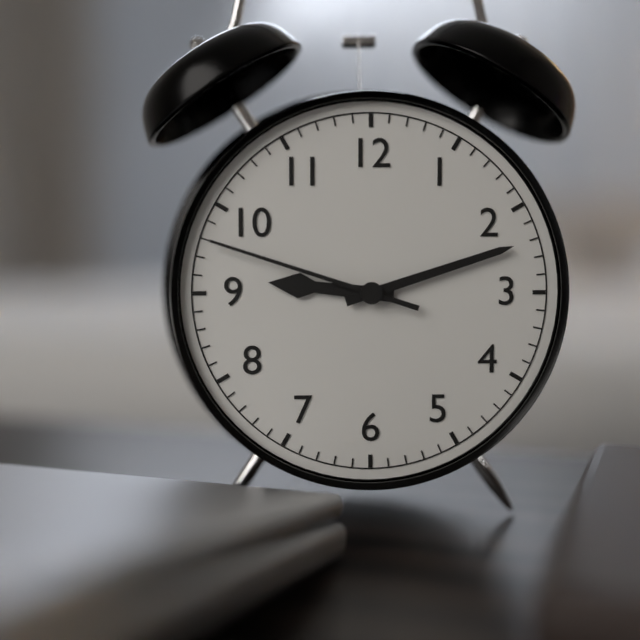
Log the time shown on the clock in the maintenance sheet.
9:12:48
